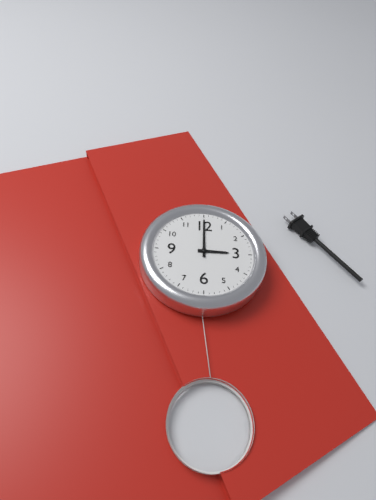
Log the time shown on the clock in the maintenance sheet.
3:00
